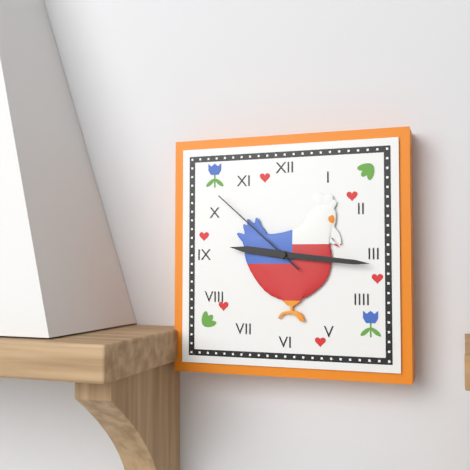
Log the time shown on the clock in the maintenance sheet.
9:16:52
